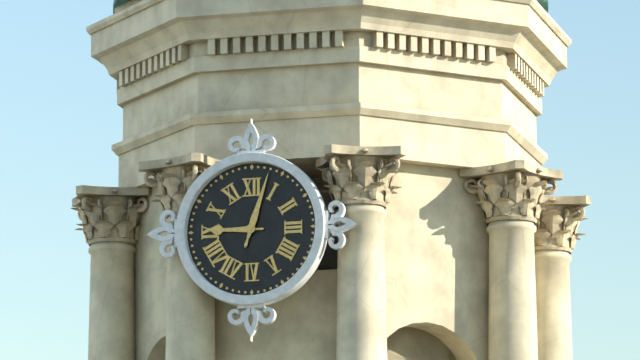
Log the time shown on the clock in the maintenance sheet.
9:03
